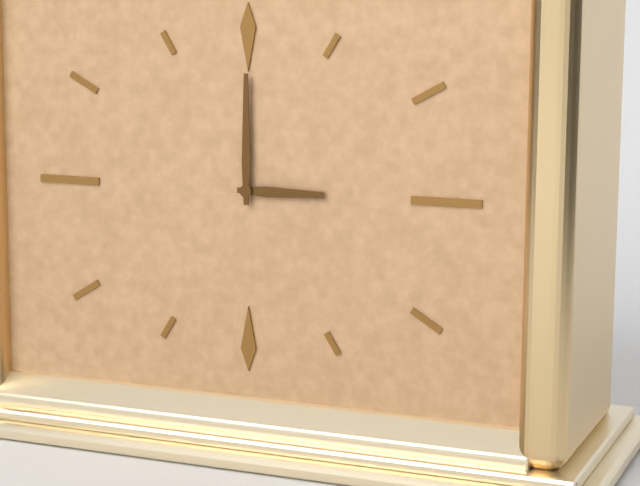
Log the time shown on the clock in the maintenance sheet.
3:00
